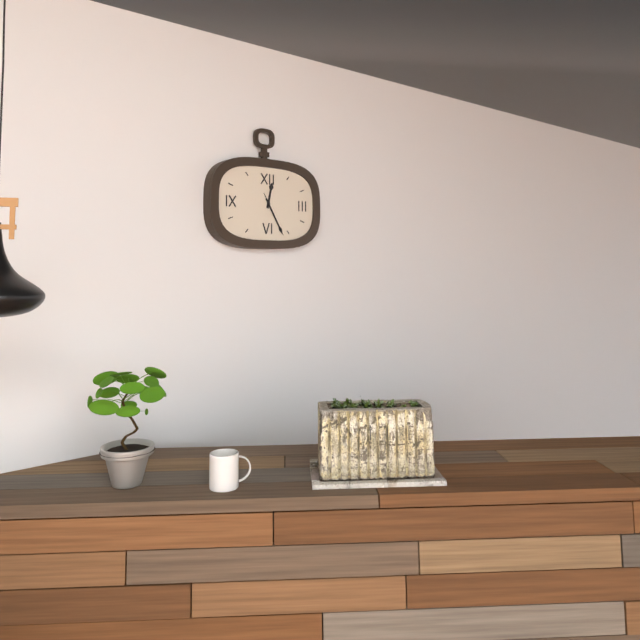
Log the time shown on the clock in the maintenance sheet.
12:25
